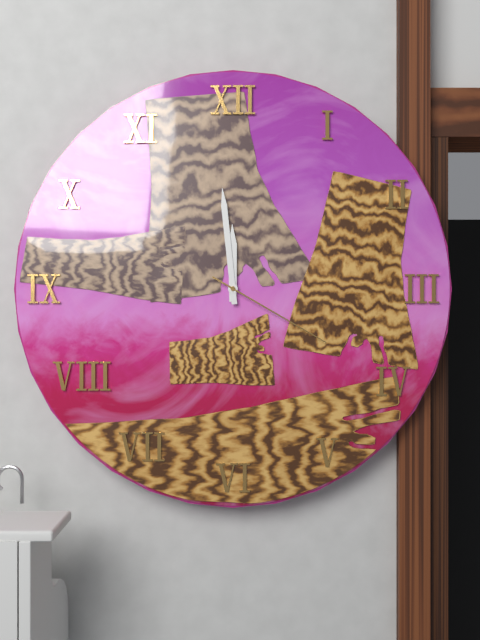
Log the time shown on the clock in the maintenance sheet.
11:59:20
